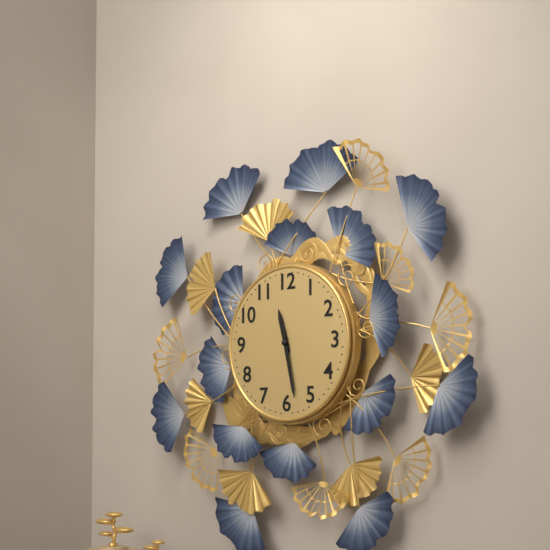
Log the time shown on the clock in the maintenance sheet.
11:28
